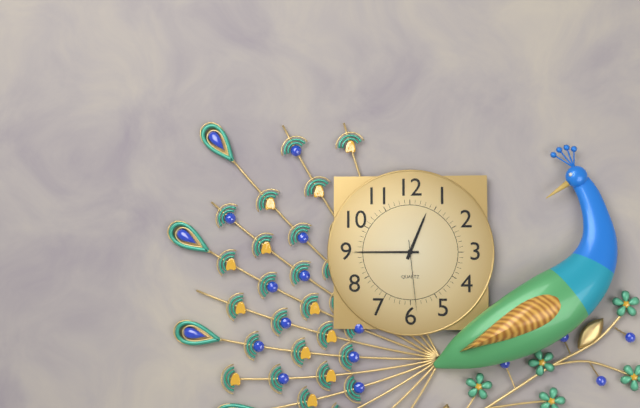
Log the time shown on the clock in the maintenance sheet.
12:45:29
